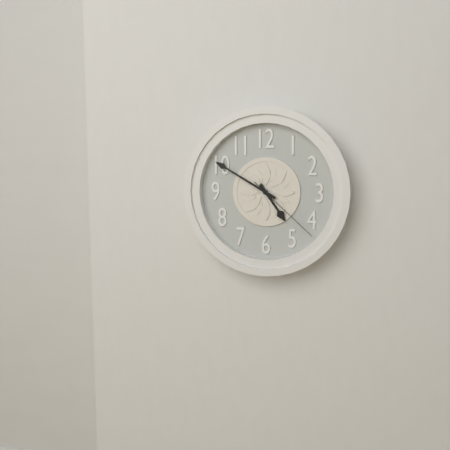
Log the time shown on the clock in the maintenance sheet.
4:50:22
